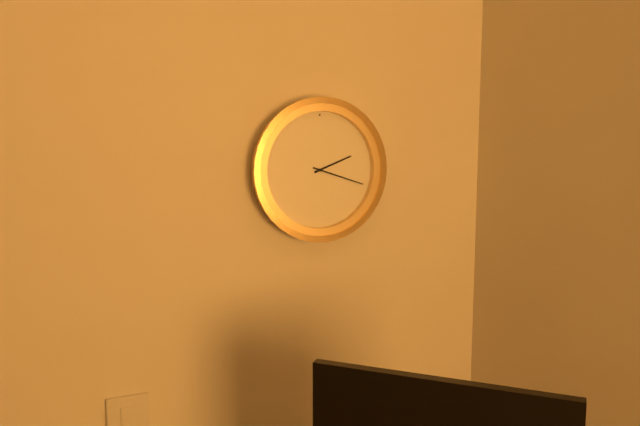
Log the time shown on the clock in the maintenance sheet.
2:18
